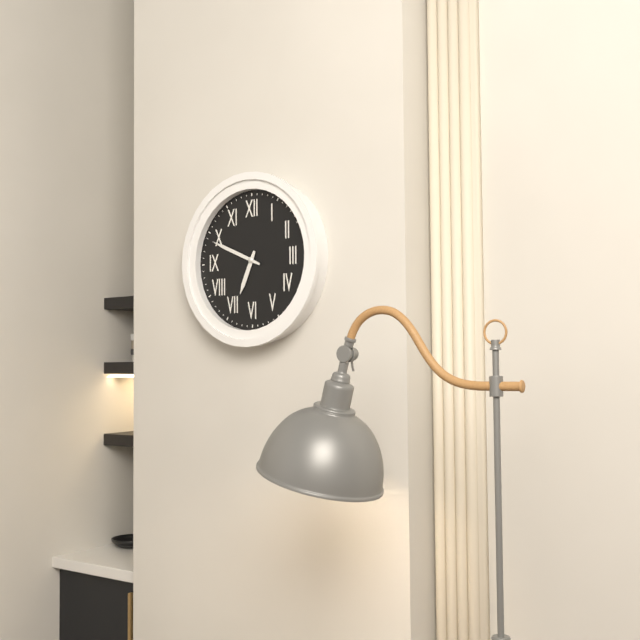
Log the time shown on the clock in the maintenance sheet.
6:49
